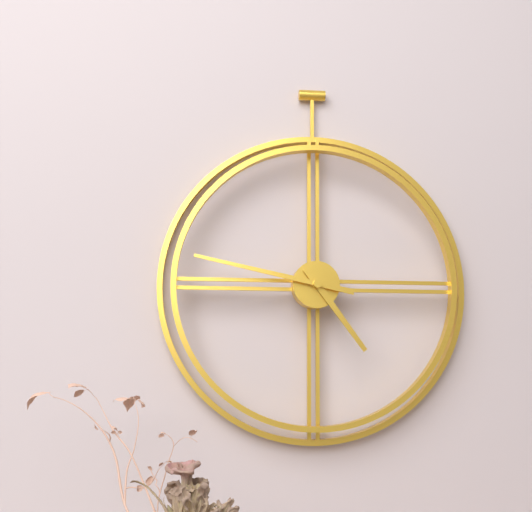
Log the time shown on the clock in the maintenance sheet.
4:47
